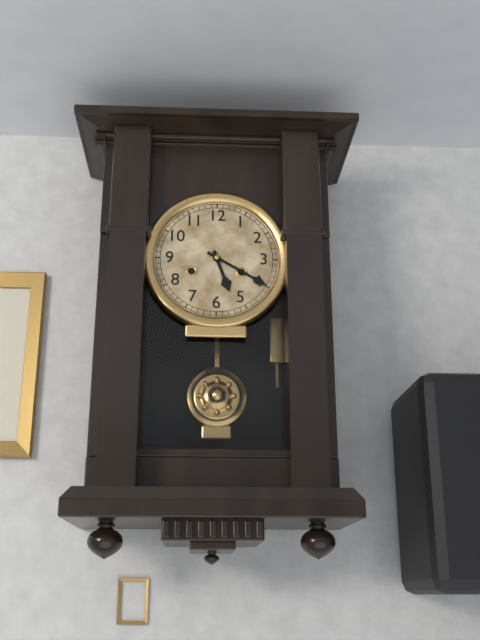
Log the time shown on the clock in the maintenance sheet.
5:20
